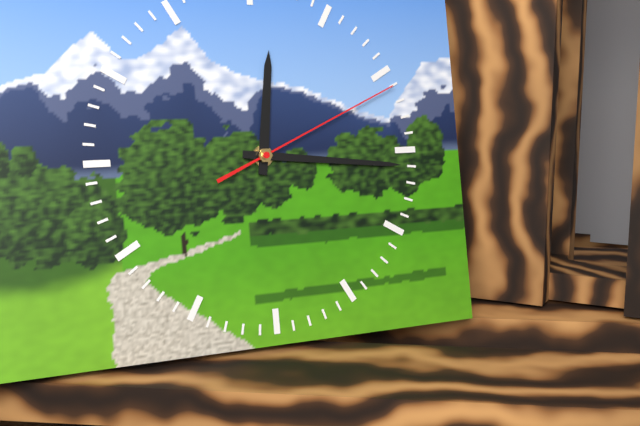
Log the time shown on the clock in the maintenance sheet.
12:16:11
